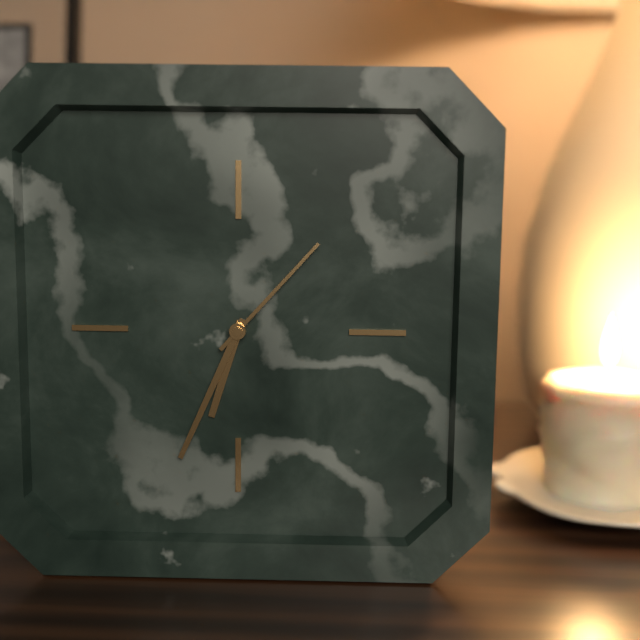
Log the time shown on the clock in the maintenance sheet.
6:34:07
